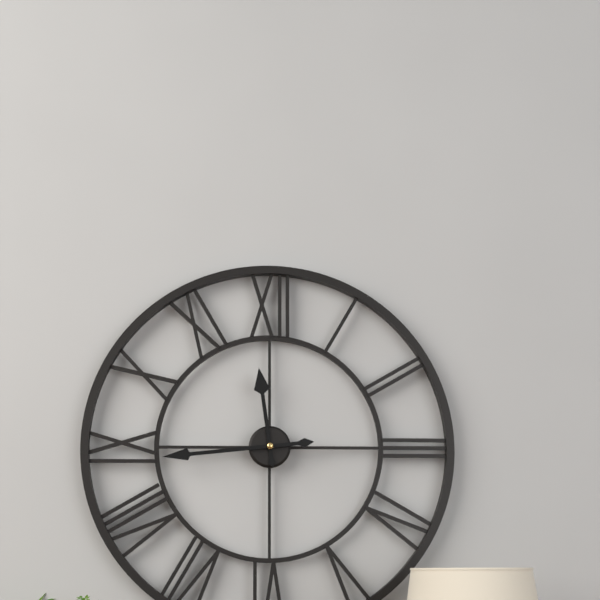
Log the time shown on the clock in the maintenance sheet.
11:44
